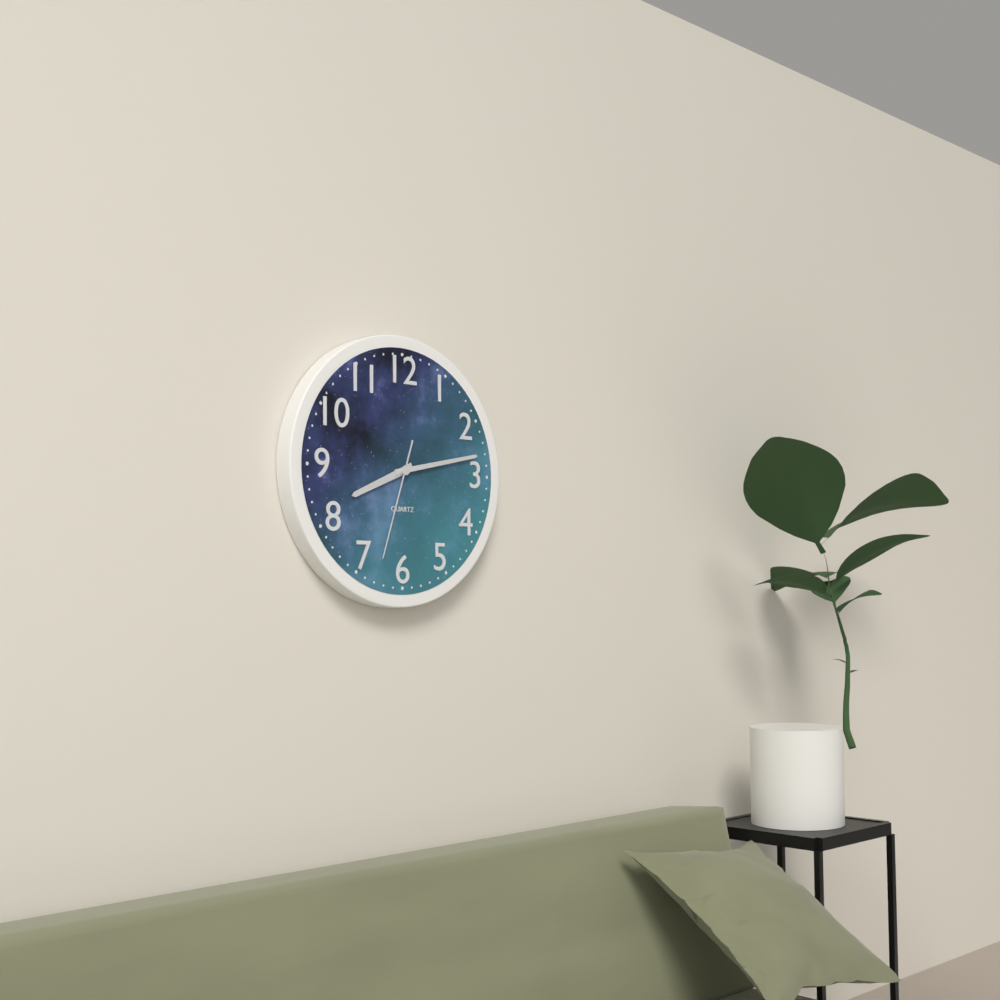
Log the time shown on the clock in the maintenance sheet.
8:13:33
